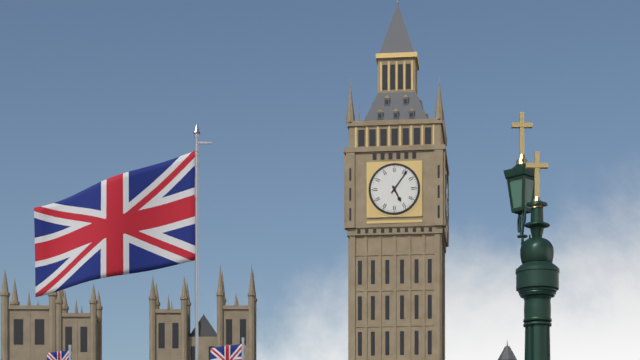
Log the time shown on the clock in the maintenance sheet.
5:06
